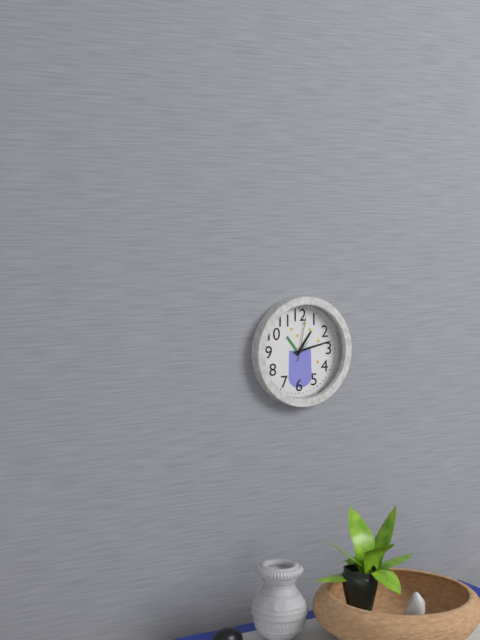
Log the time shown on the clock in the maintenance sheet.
1:13
